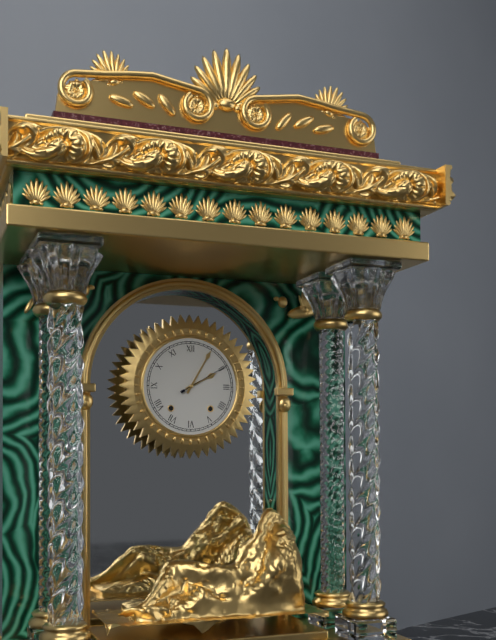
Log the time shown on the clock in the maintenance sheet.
2:05:10
